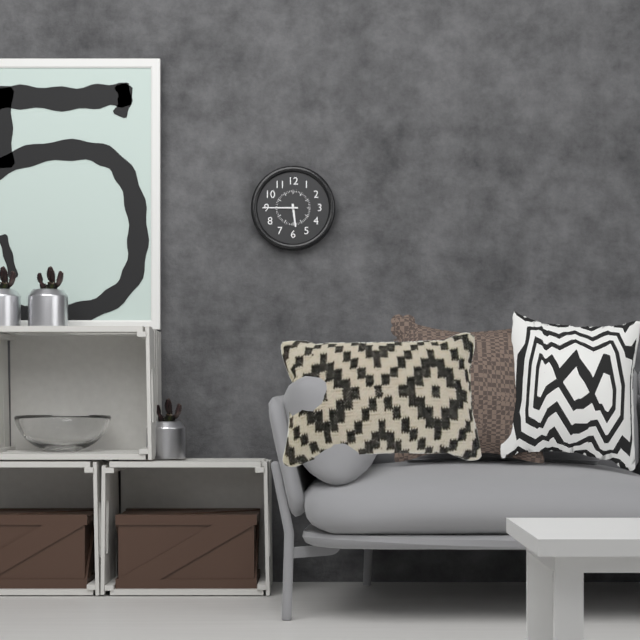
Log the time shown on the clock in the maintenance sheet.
5:45
